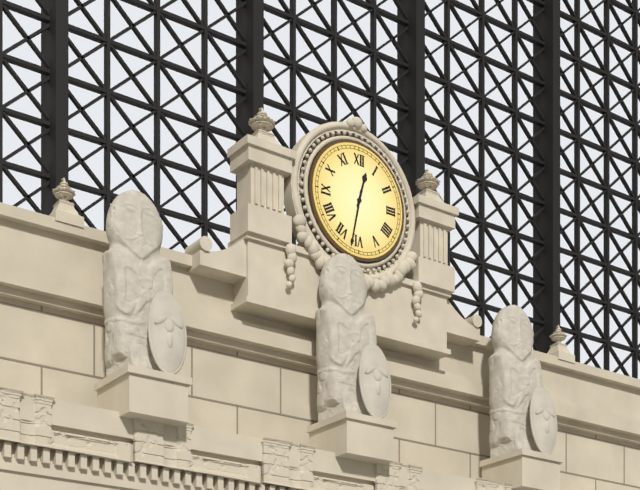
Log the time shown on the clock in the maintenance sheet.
12:32
